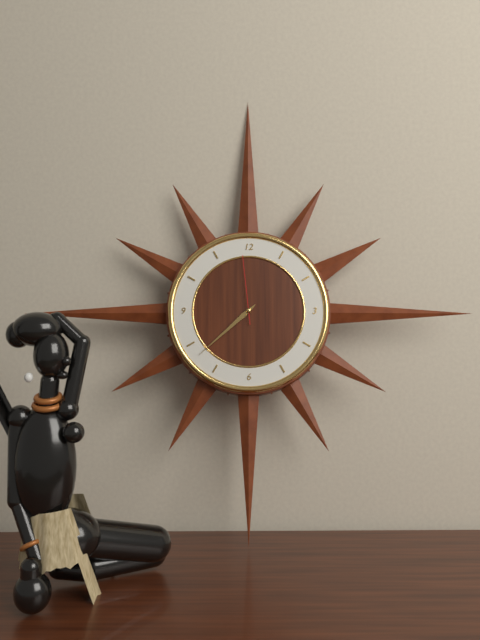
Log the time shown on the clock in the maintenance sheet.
7:38:59
